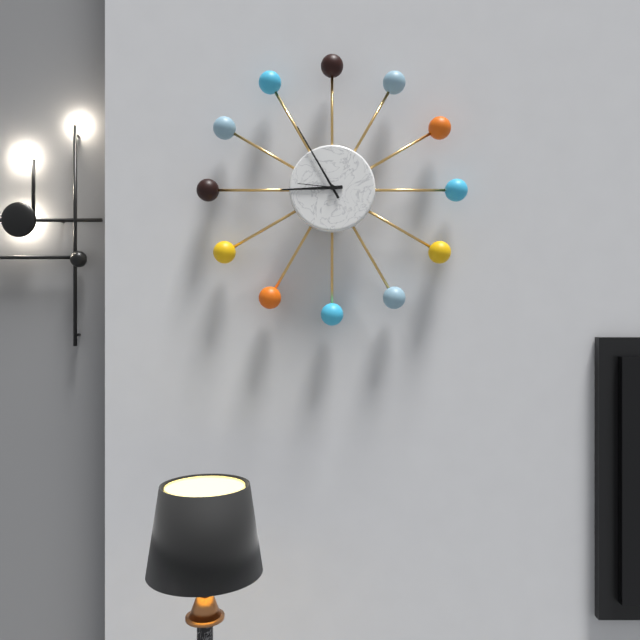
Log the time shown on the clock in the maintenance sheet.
8:55
